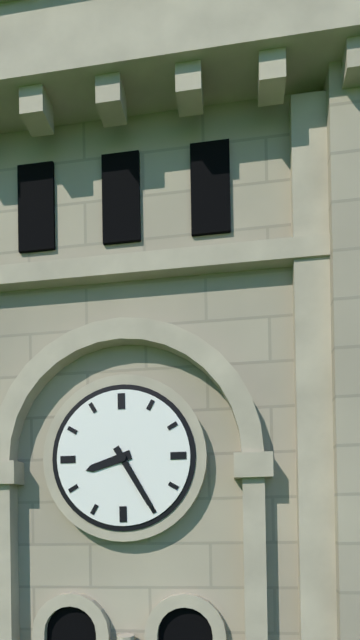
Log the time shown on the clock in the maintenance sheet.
8:25
